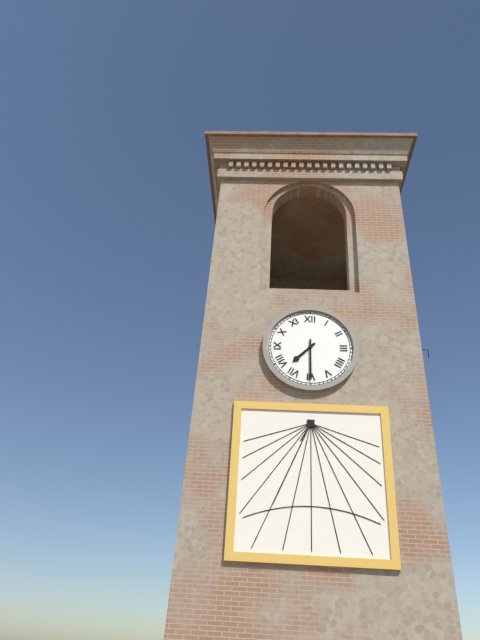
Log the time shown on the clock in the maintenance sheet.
7:30
